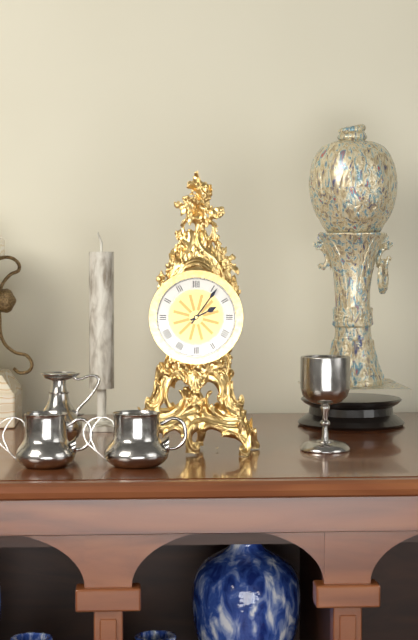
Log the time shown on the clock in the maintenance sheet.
2:06
